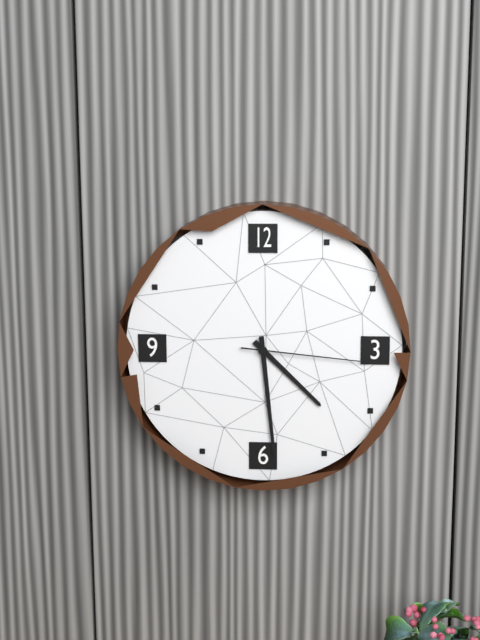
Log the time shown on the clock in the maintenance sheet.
4:29:16
